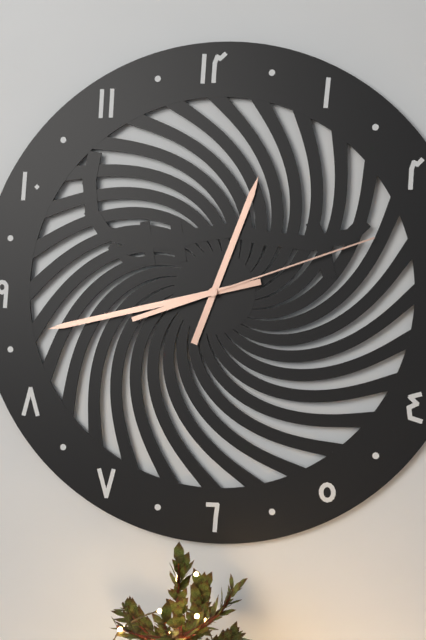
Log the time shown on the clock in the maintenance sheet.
12:43:12
